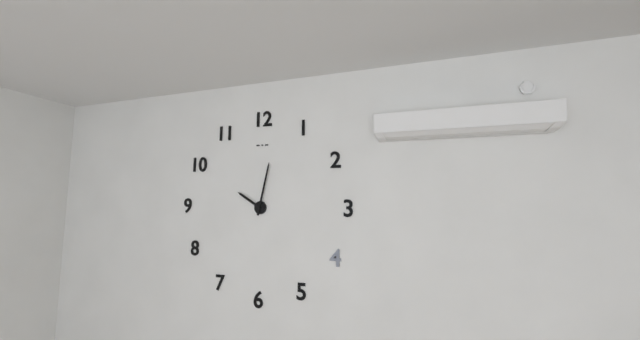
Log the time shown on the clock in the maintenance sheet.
10:02
